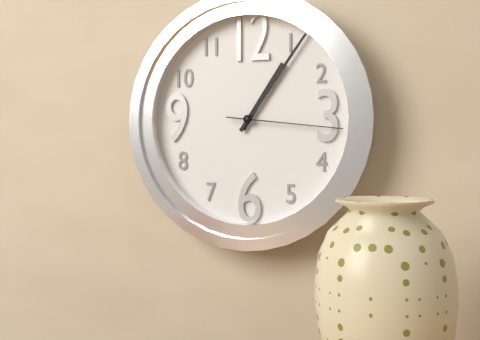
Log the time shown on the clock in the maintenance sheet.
1:06:16
